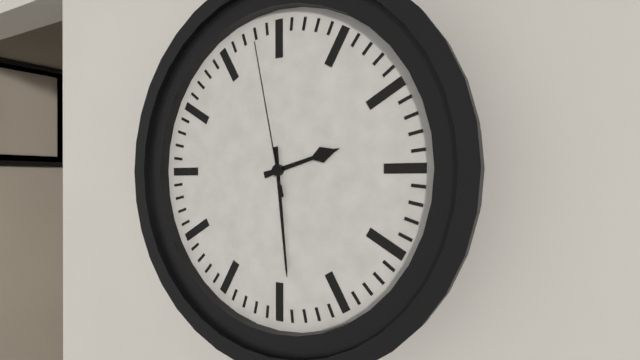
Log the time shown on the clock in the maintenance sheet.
2:29:58
